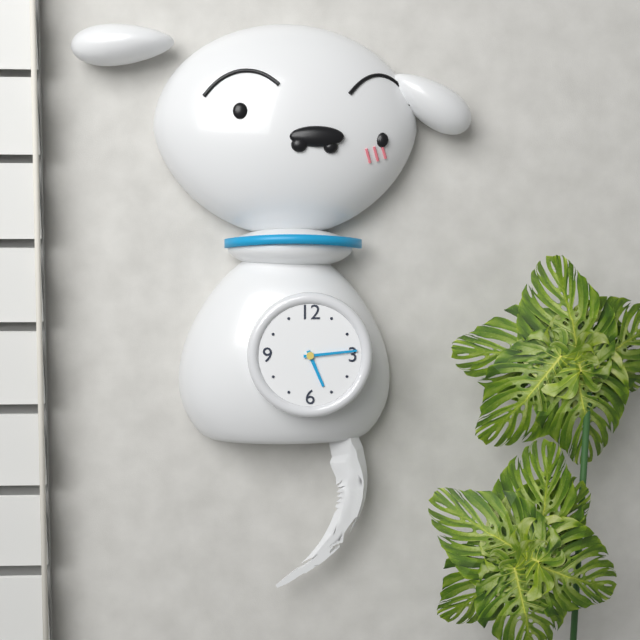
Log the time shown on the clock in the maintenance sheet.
5:14
